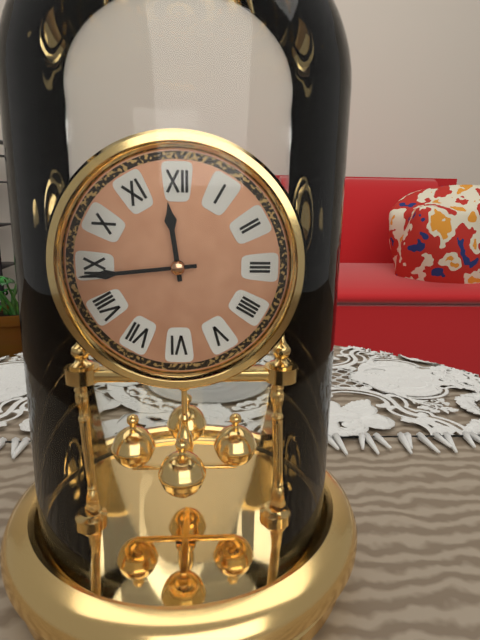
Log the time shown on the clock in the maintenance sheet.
11:44
